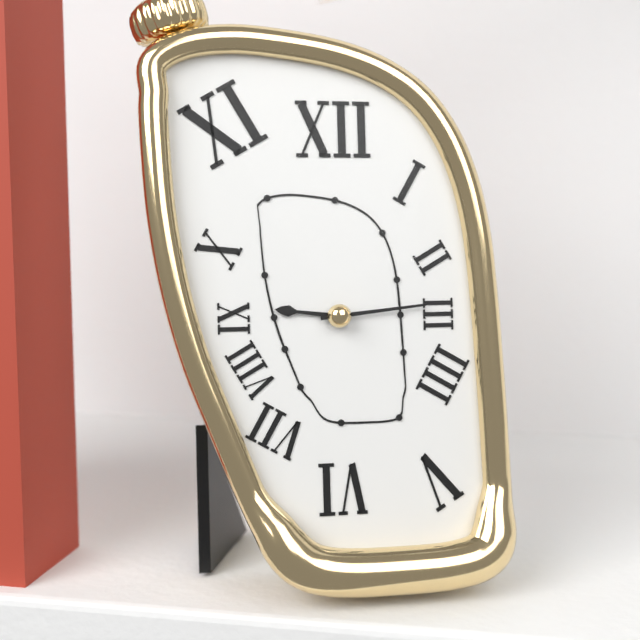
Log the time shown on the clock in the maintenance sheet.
9:14
